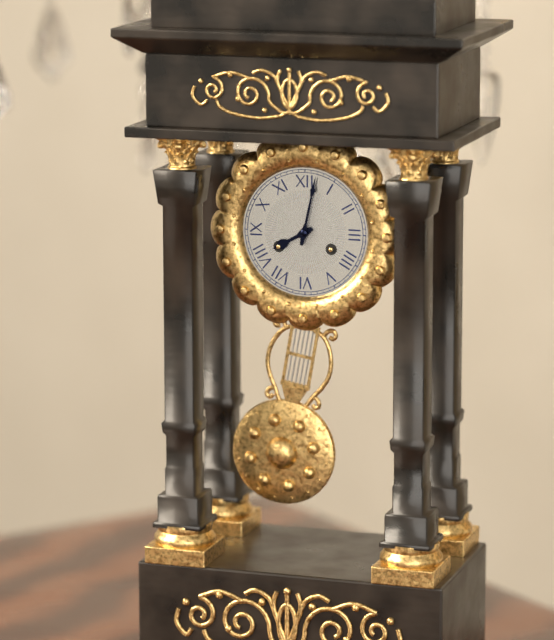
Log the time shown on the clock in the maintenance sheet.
8:02
